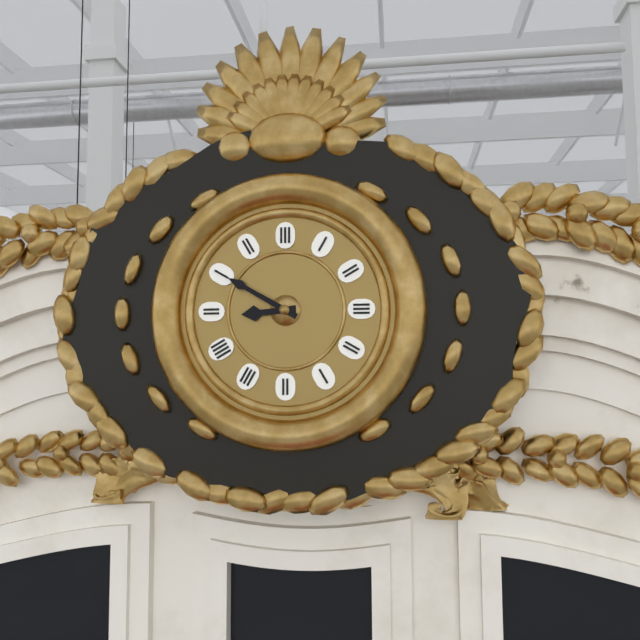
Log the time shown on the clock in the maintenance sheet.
8:50
